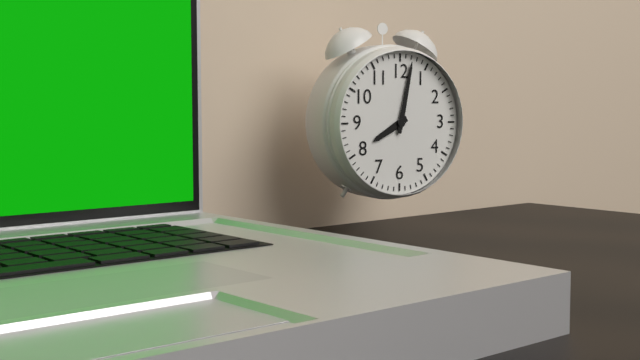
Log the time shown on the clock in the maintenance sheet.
8:02
